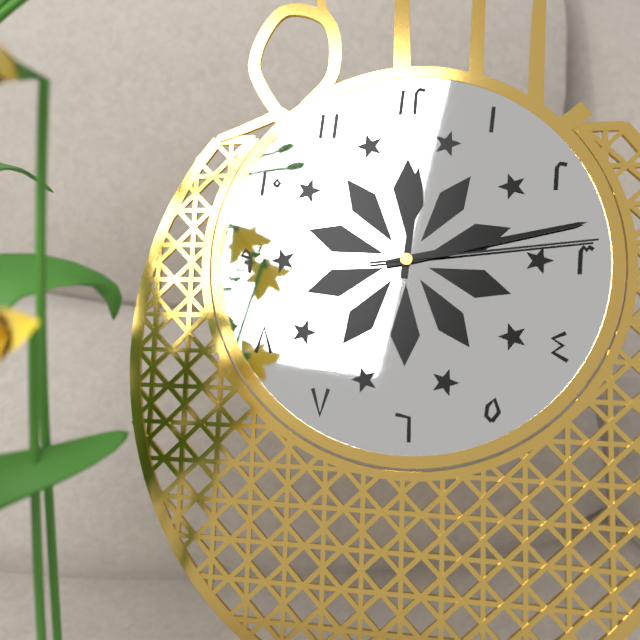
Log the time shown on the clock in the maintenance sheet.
12:13:14
